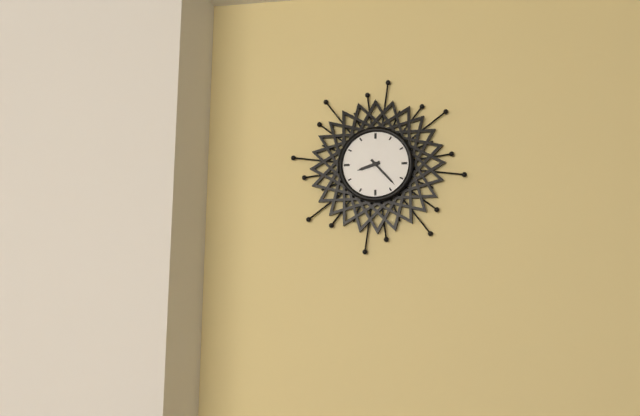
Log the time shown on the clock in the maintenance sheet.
8:23
